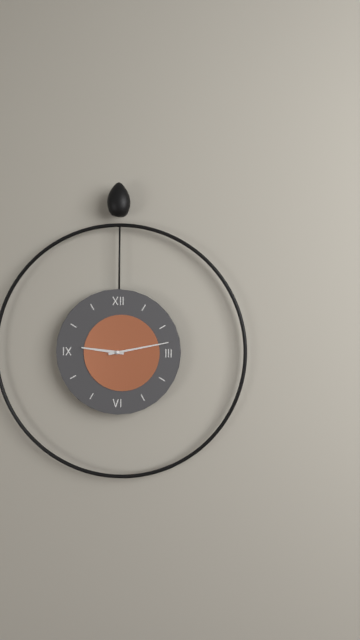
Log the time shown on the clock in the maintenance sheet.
9:13
